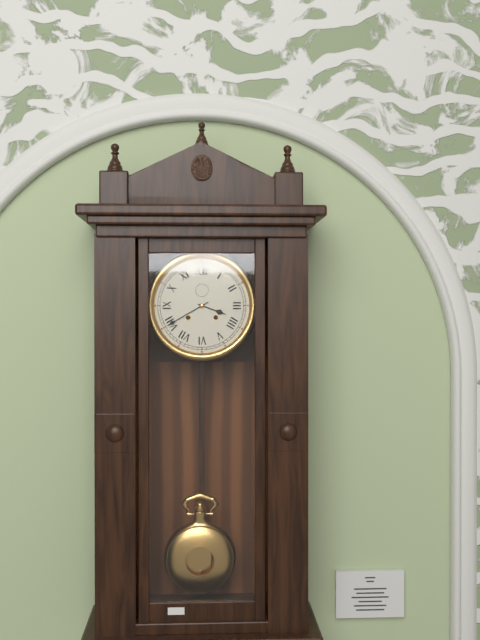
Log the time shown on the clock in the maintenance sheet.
3:40
